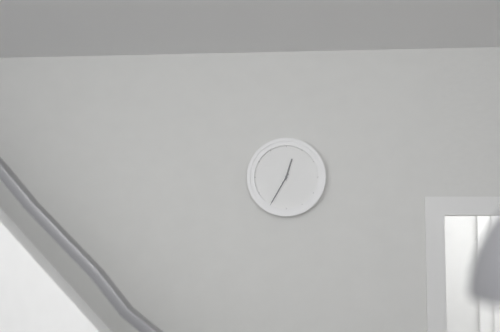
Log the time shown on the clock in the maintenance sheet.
12:35
